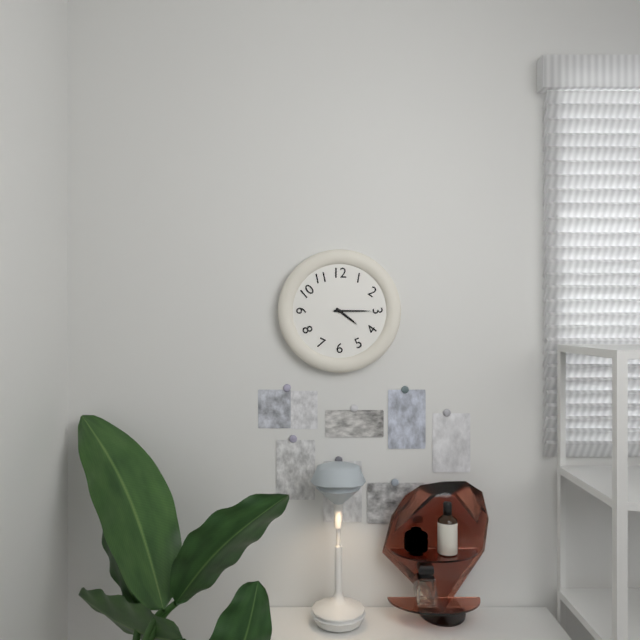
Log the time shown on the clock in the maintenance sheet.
4:15
